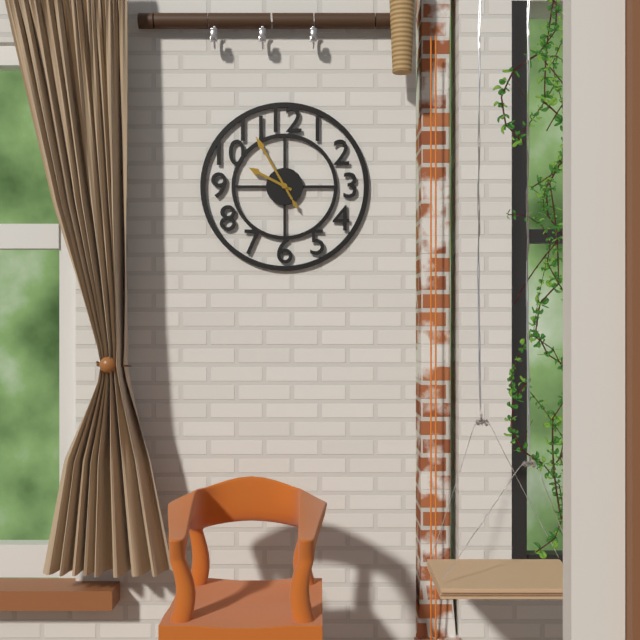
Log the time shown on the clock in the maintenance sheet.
9:55
